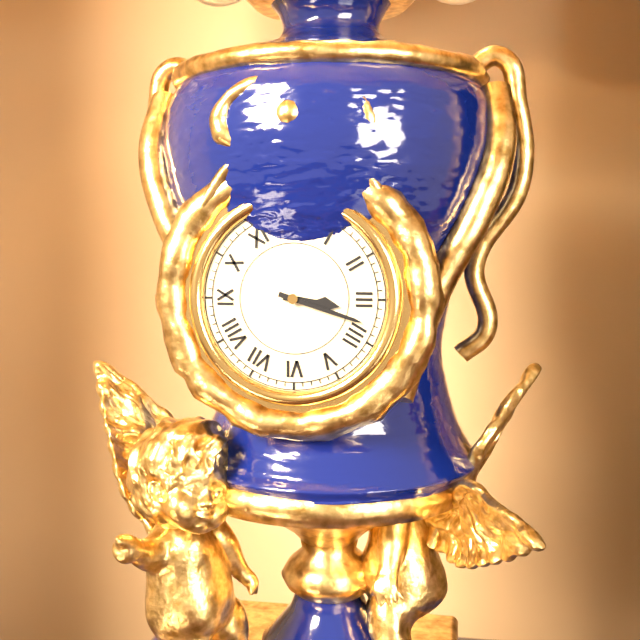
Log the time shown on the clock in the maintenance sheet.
3:18
